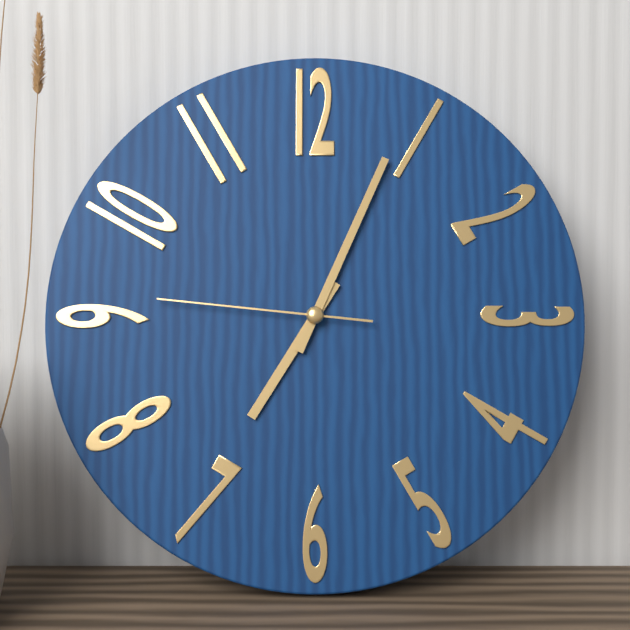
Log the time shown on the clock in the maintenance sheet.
7:04:46
